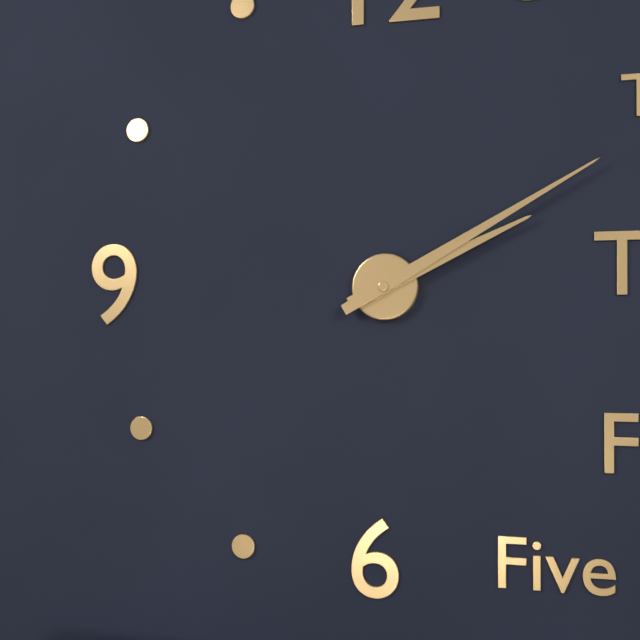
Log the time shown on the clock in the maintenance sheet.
2:10
